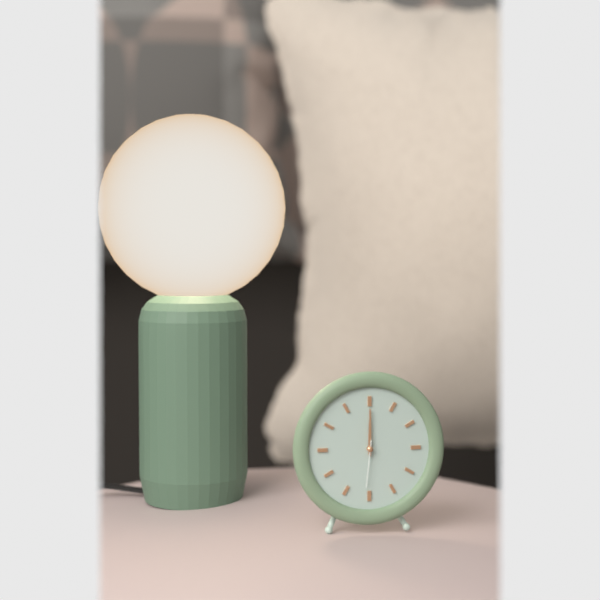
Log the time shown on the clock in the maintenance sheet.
12:00
